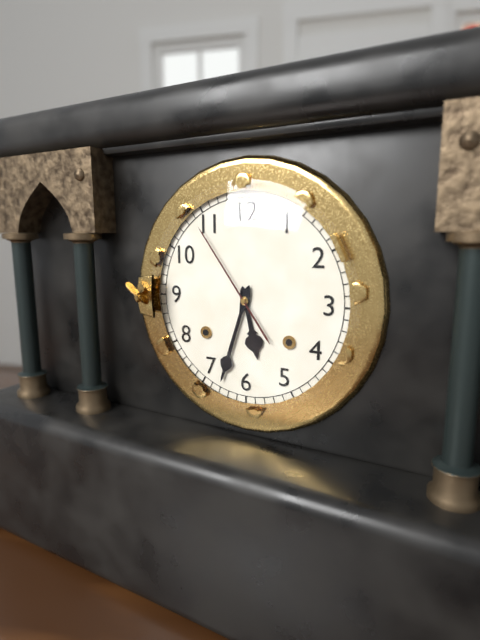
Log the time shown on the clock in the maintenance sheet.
5:33:54
